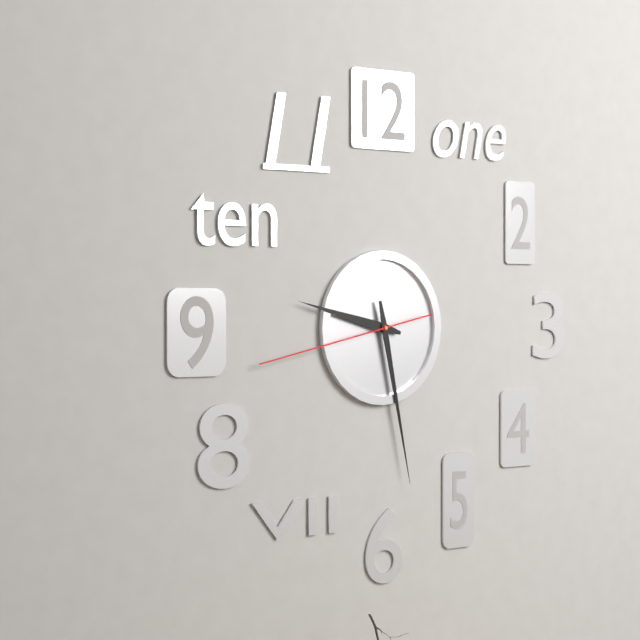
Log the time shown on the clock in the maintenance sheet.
9:28:43
